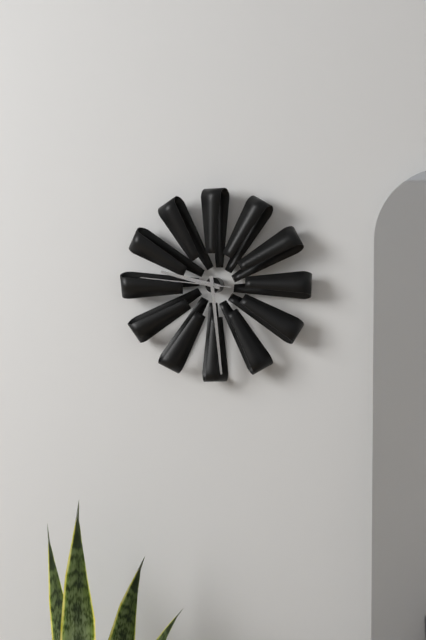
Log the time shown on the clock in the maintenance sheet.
9:29:46
